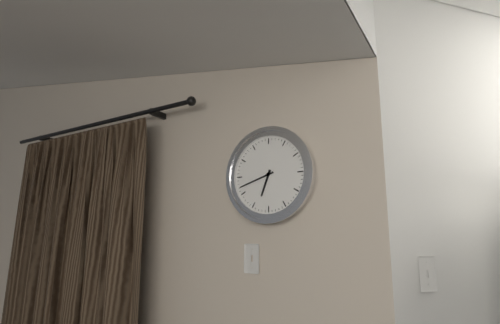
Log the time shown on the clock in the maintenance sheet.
6:42
